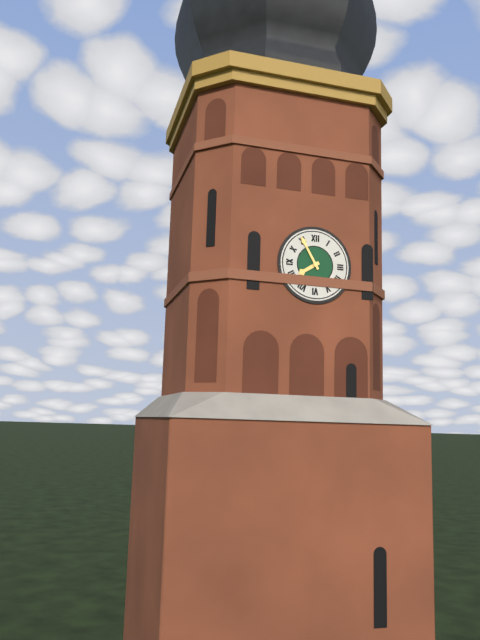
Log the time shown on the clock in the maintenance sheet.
7:55
